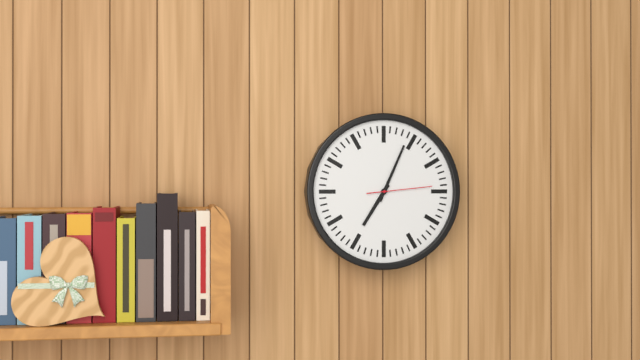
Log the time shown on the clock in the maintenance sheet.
7:04:14
